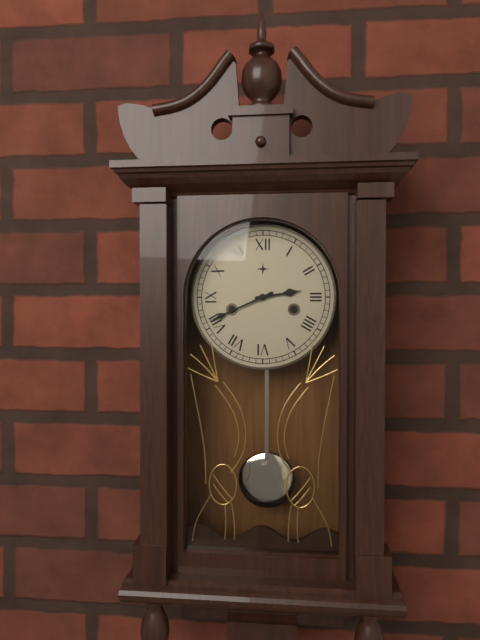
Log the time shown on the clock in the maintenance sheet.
2:41
